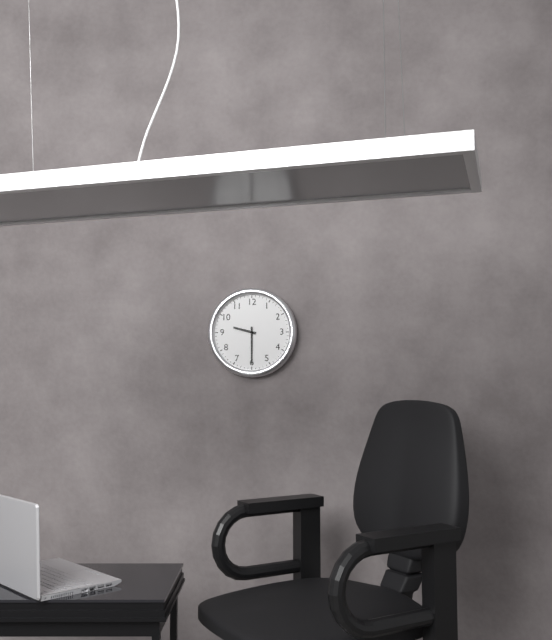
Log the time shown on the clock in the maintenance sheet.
9:30
